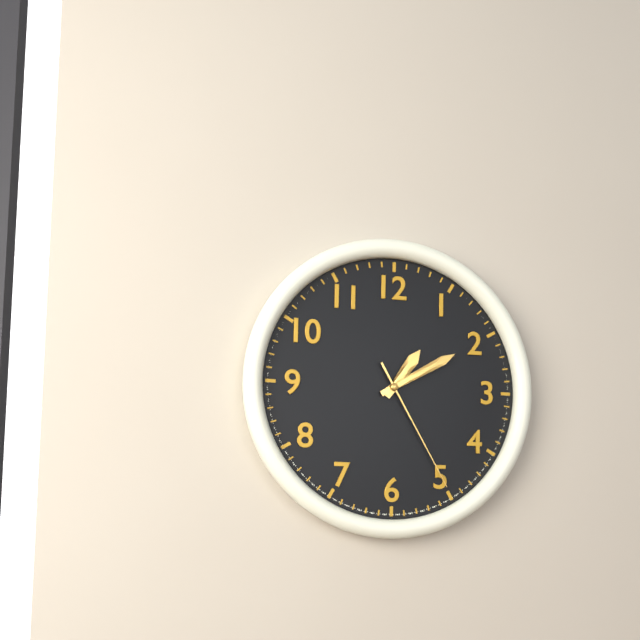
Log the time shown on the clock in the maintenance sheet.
1:10:25
